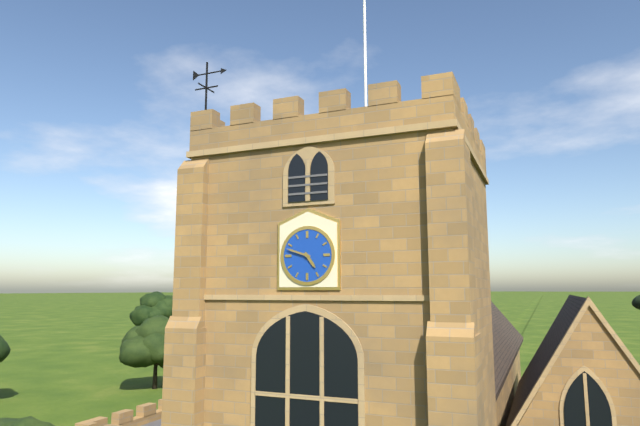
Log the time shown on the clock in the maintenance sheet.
4:48
